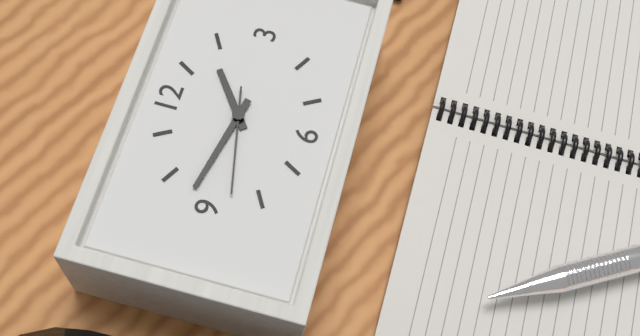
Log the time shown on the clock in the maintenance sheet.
1:47:43
